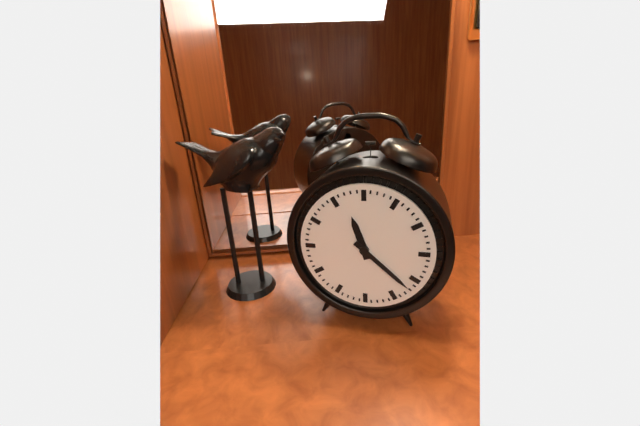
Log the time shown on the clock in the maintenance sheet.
11:22
